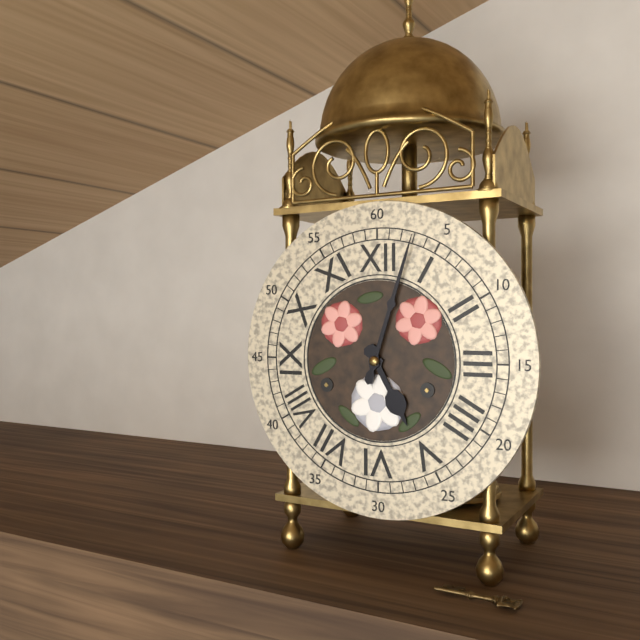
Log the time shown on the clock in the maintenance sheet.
5:03
